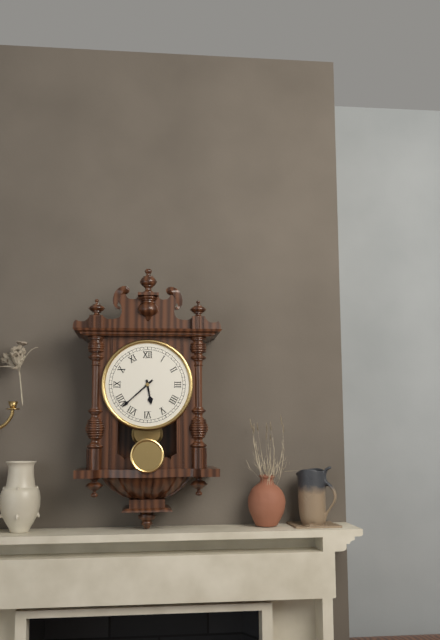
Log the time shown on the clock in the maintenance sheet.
5:38
